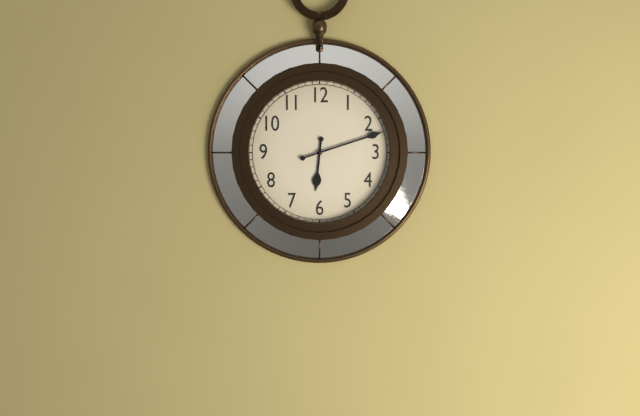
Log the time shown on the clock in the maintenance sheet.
6:12
